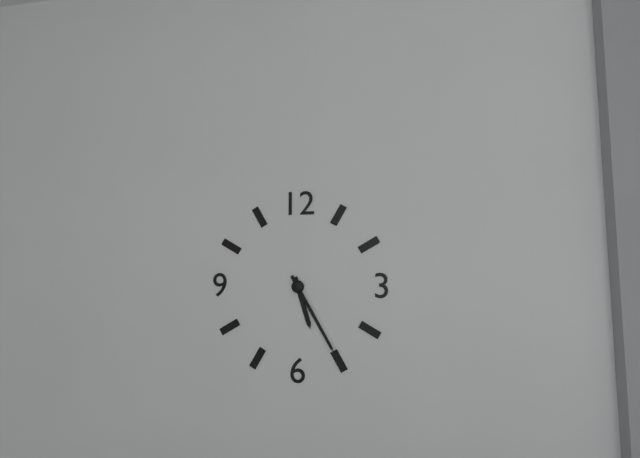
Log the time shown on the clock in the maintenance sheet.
5:25
